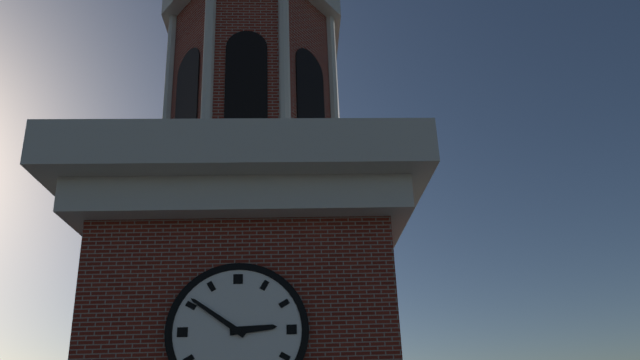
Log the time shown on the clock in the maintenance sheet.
2:51
